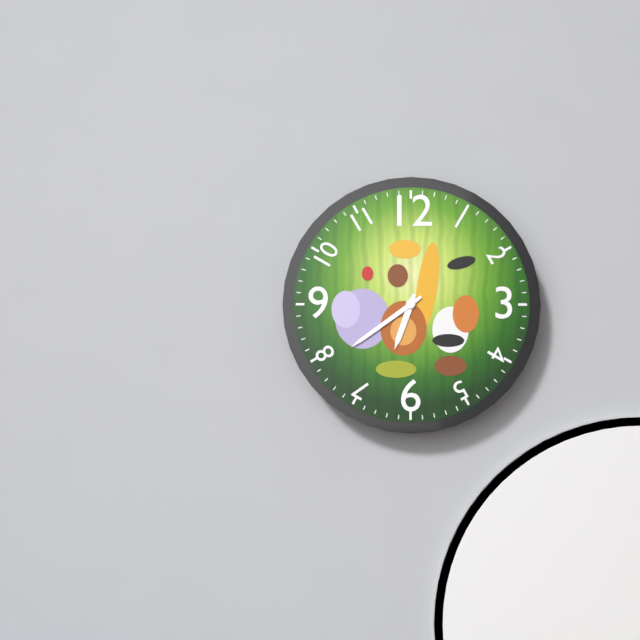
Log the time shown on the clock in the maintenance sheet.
6:39
